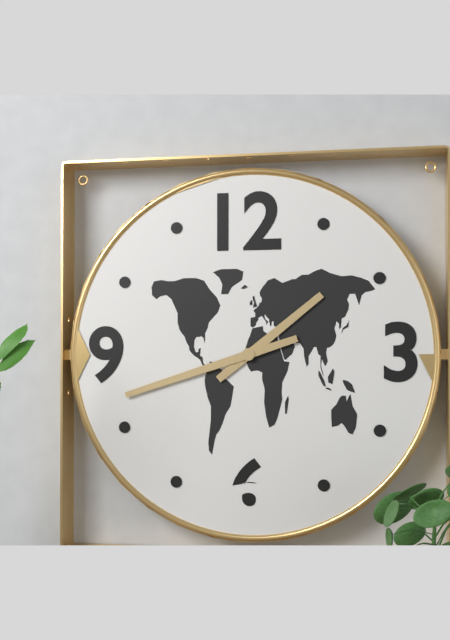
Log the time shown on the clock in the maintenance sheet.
1:42
